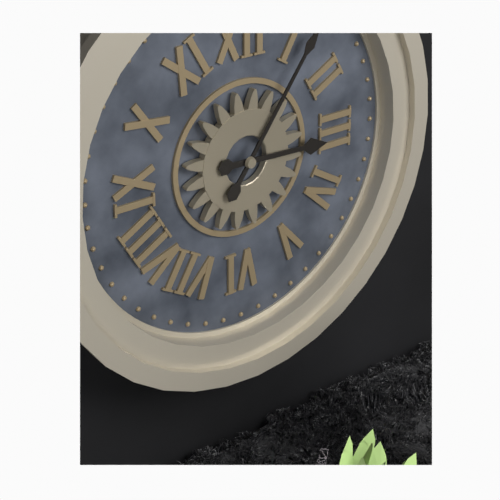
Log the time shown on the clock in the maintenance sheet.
3:06
